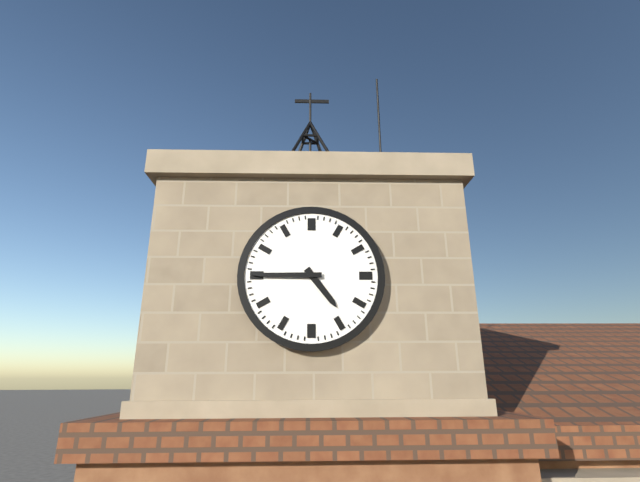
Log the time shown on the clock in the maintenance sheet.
4:45
